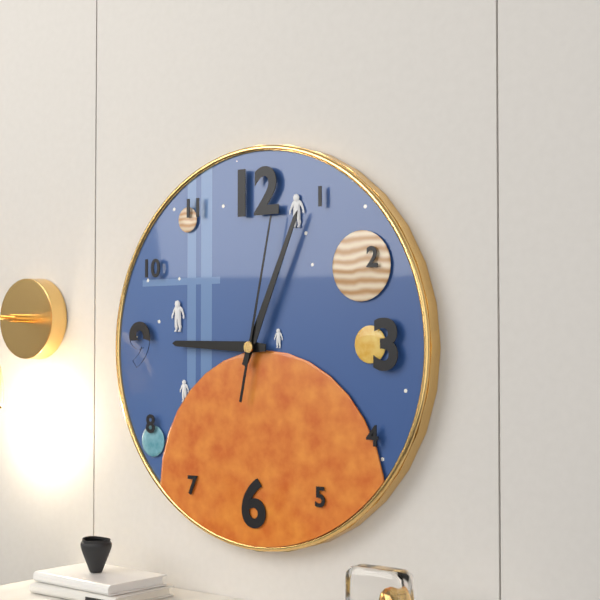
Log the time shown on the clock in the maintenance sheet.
9:04:02
